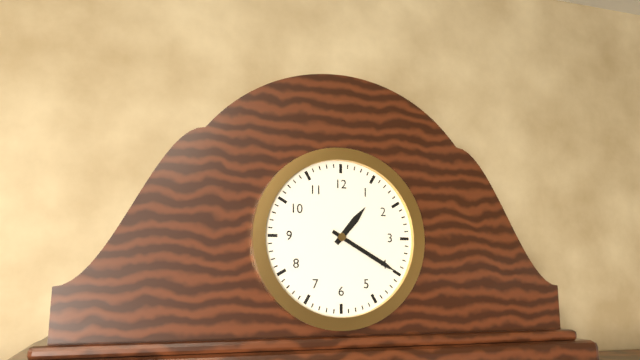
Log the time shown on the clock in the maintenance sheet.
1:20
